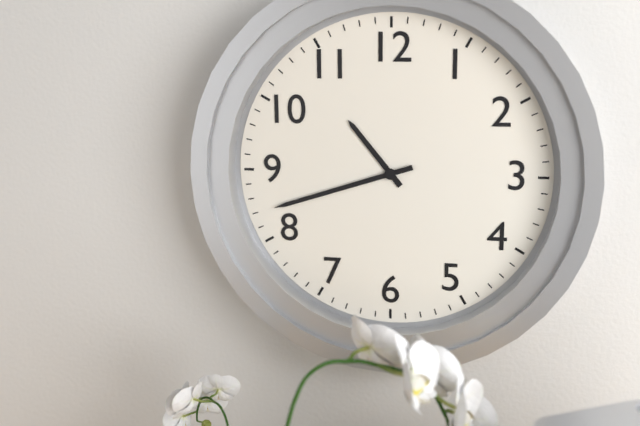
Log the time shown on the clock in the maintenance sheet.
10:42
